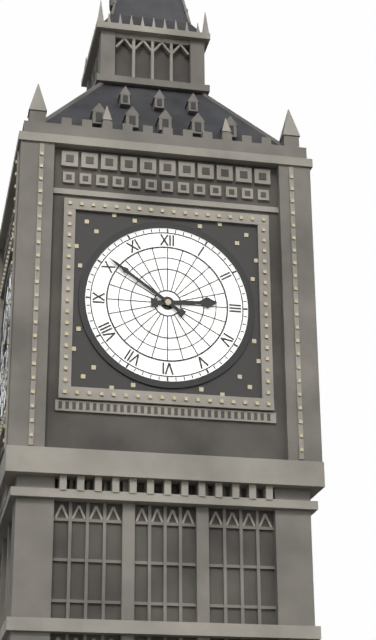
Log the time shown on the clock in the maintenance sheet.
2:51
